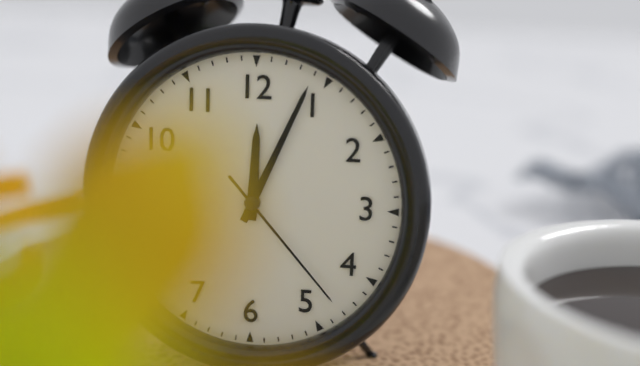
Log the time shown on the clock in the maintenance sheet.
12:04:23
